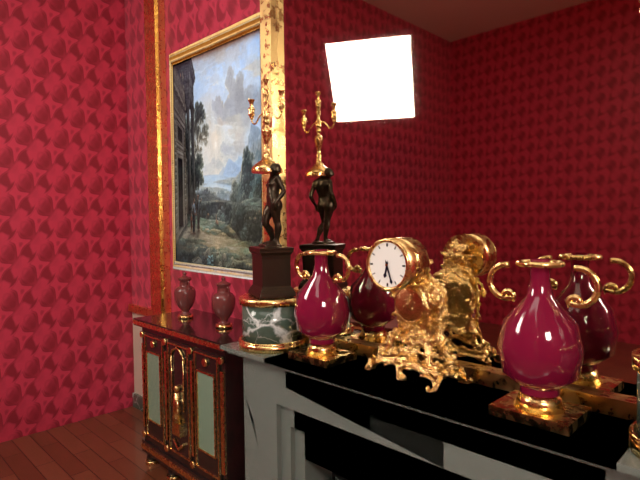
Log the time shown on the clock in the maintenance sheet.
6:27
